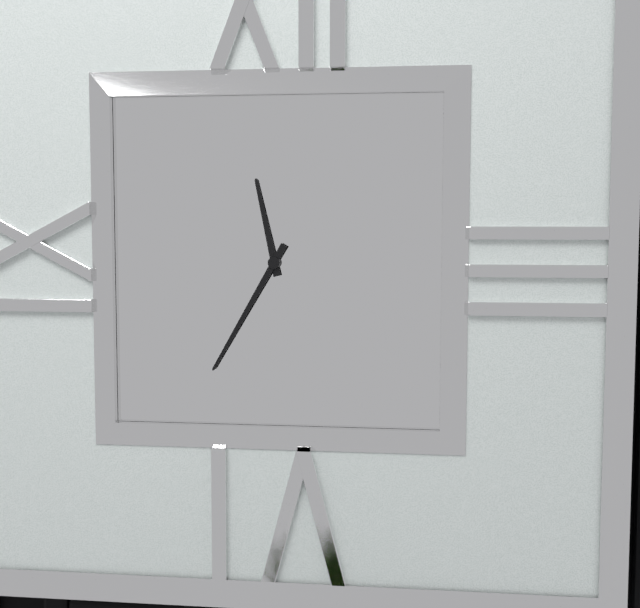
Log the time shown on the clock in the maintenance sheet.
11:35
